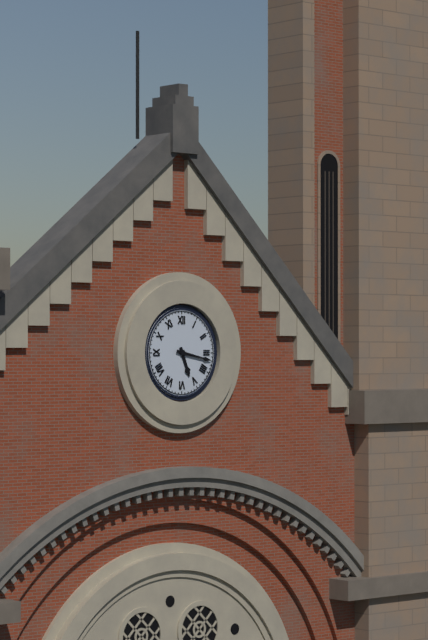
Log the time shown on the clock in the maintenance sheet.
5:17
